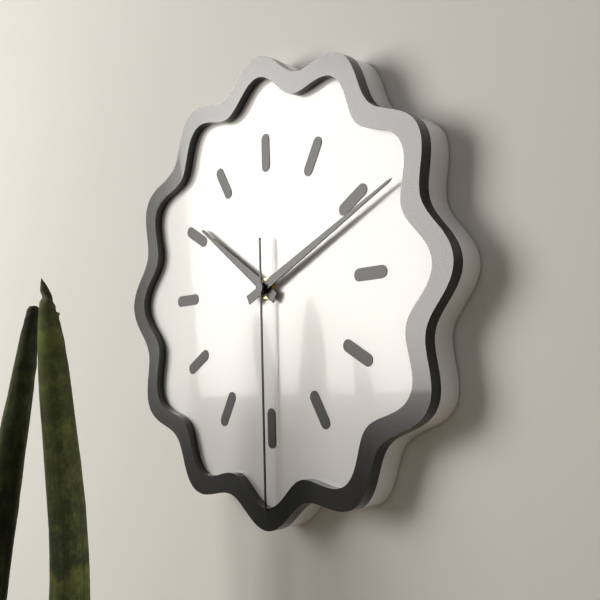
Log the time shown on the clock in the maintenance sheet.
10:11:30
